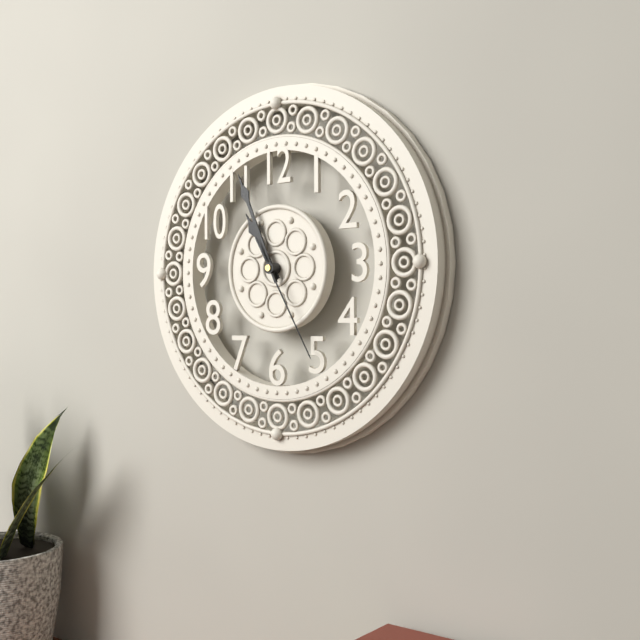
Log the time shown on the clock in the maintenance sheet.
10:56:25
